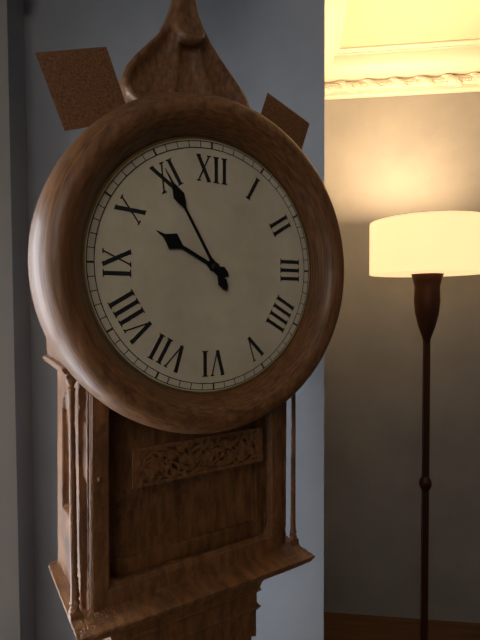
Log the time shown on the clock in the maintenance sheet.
9:55
